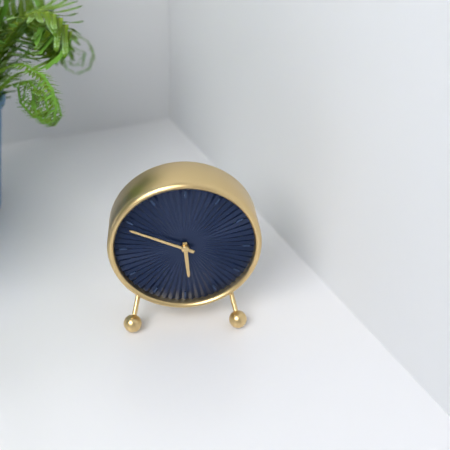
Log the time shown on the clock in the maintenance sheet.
5:49
